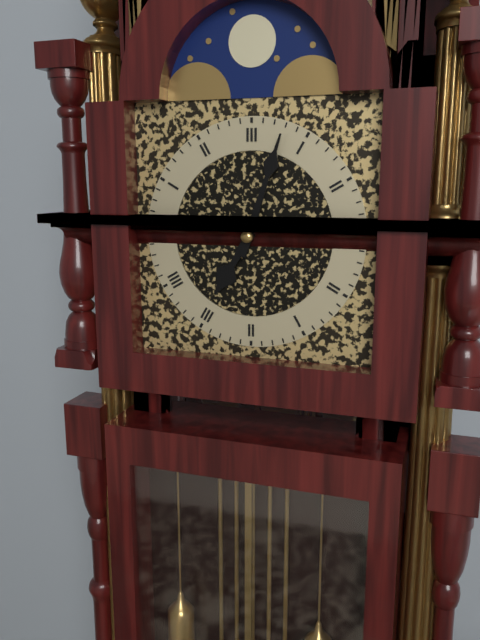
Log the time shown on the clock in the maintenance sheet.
7:03
